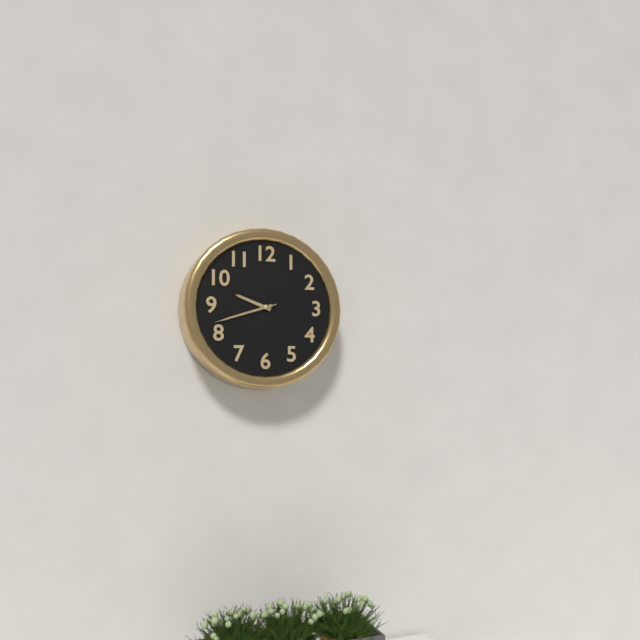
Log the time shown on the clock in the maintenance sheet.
9:42:42
